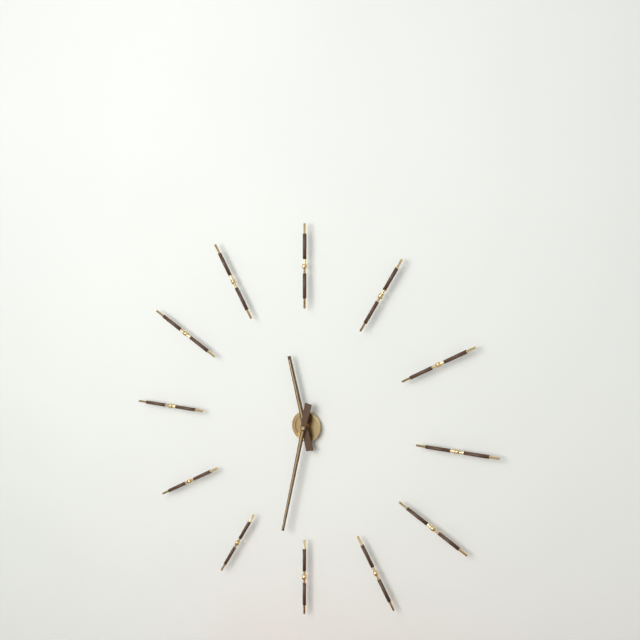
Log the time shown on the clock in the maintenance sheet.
11:32
